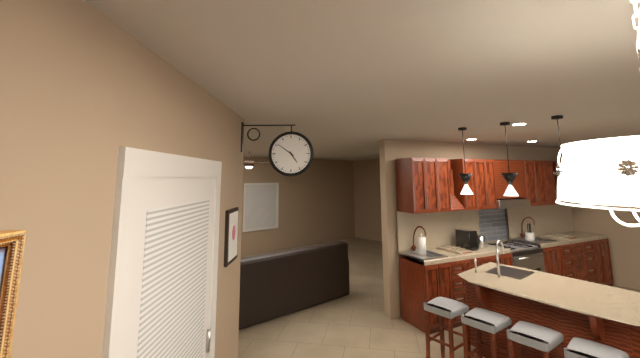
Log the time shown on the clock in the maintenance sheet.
4:51
